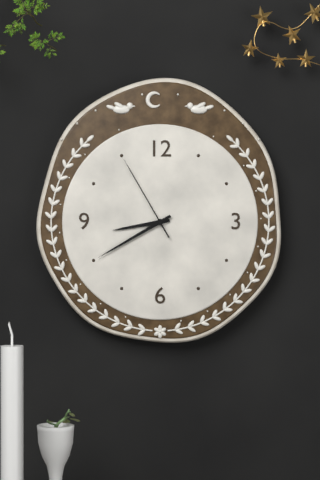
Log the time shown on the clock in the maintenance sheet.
8:40:55
